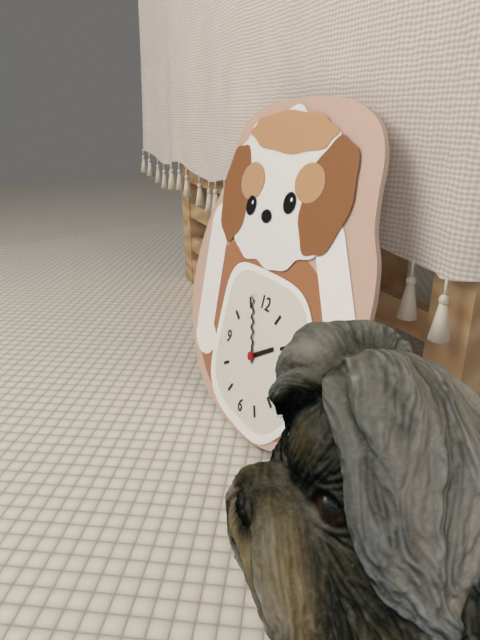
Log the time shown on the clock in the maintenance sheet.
1:56
